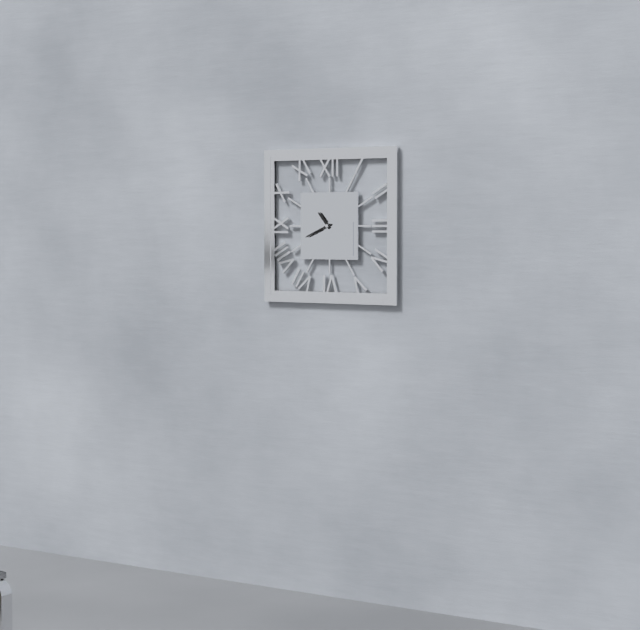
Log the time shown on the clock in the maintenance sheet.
10:41
